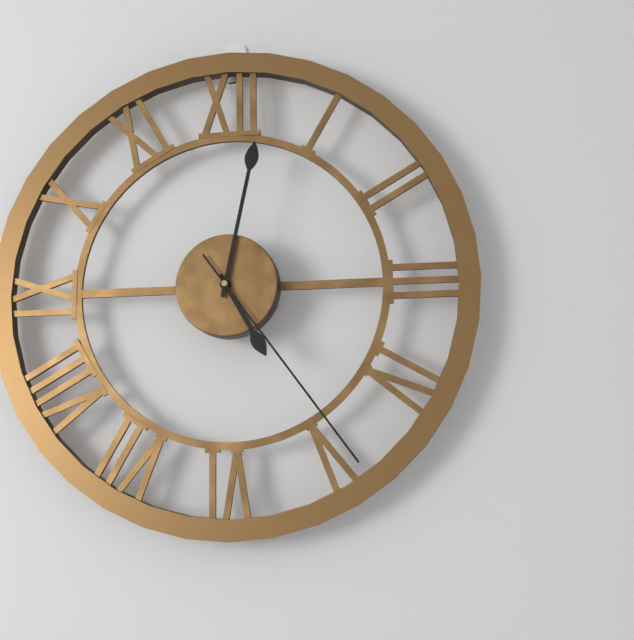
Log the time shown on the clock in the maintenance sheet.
5:02:24
